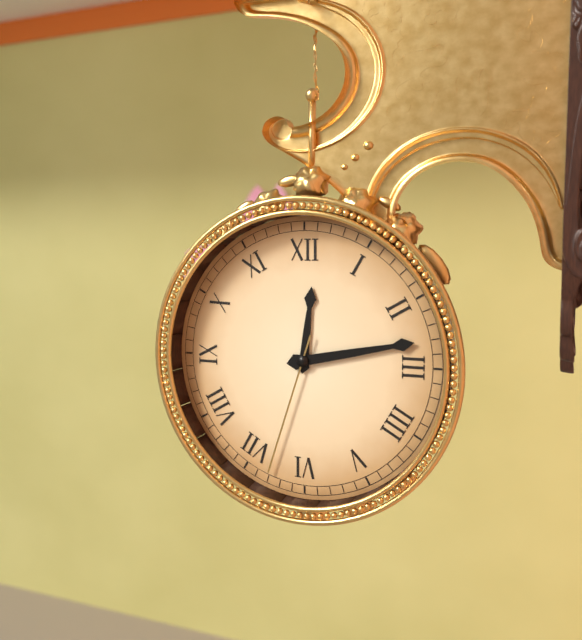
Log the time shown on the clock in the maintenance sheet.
12:13:33
